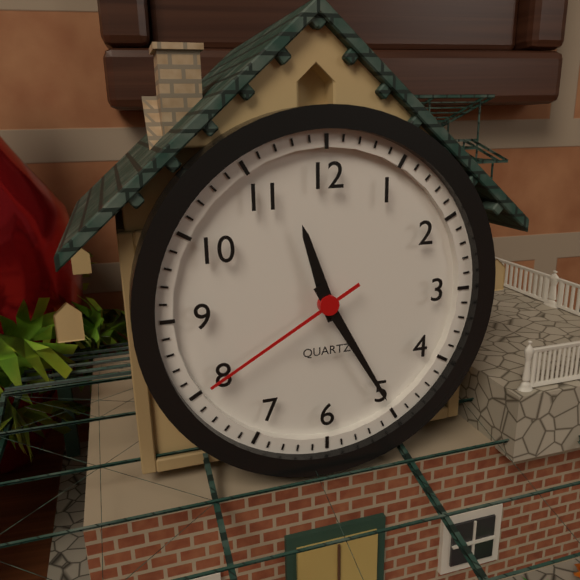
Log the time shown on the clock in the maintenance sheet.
11:25:40
